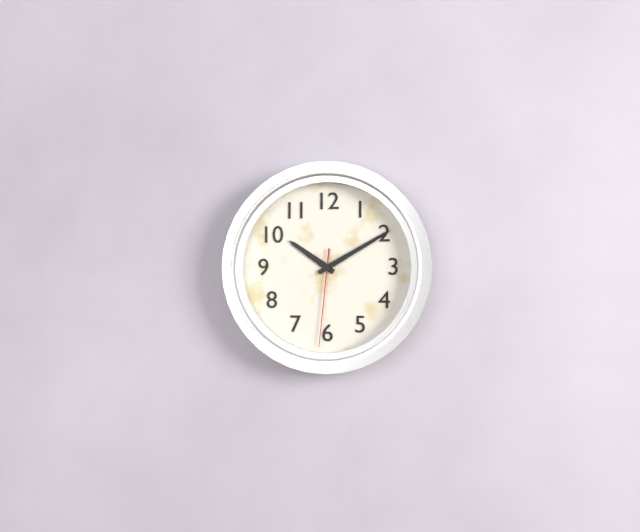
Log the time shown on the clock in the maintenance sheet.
10:10:31
